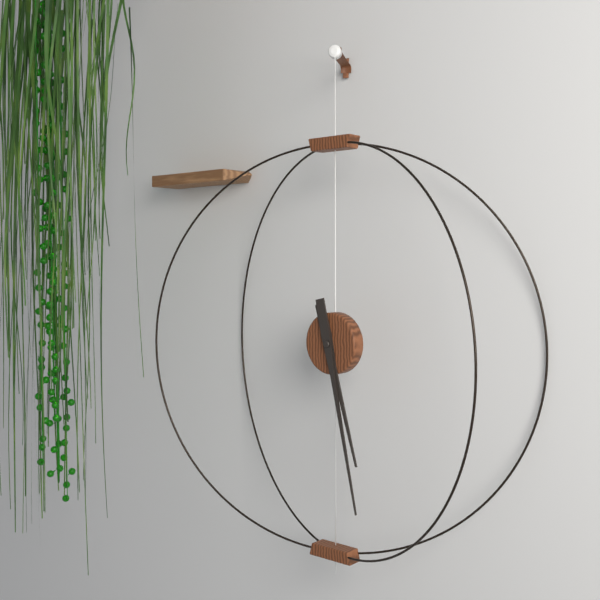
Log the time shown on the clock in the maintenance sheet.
5:28
